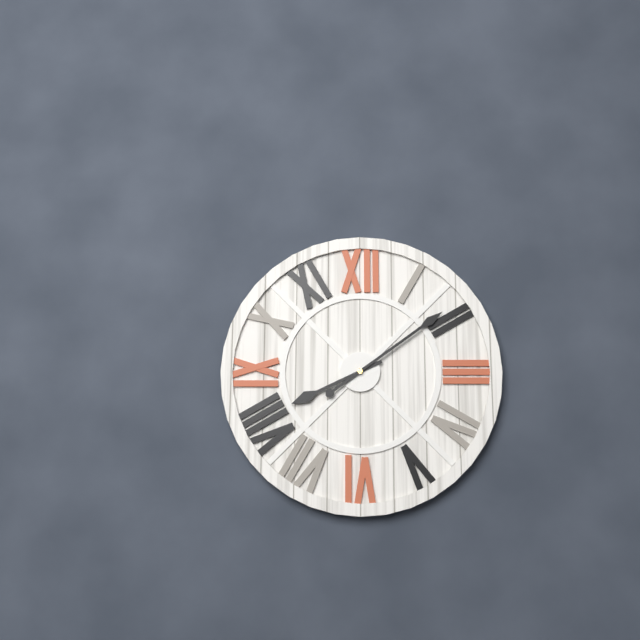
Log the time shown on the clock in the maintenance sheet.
8:09
